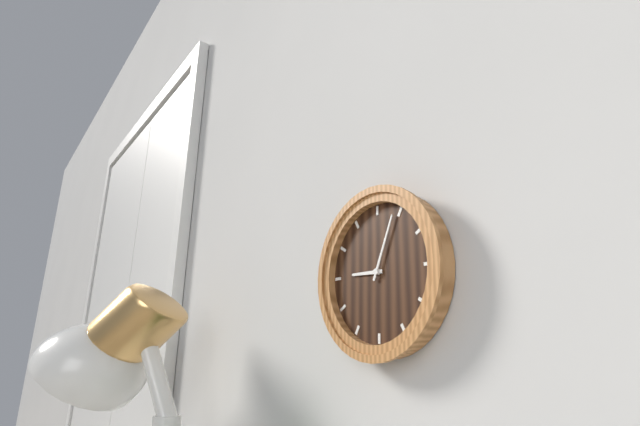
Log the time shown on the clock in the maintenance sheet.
9:04
